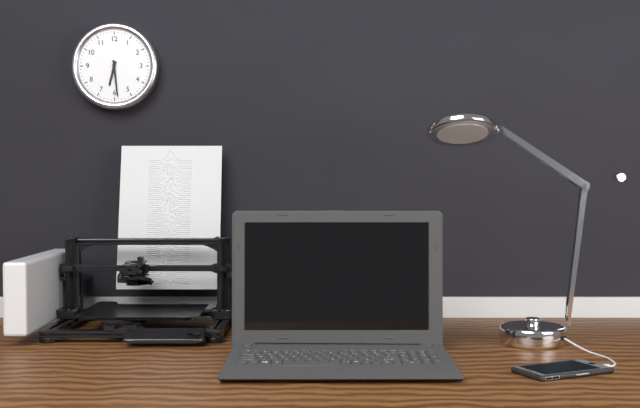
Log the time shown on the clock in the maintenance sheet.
6:29
